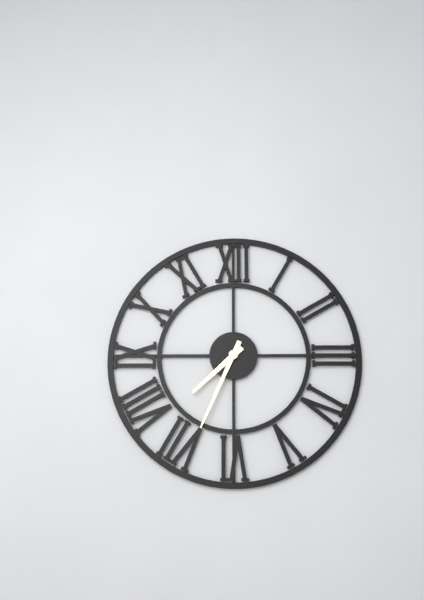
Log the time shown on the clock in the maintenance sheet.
7:34
